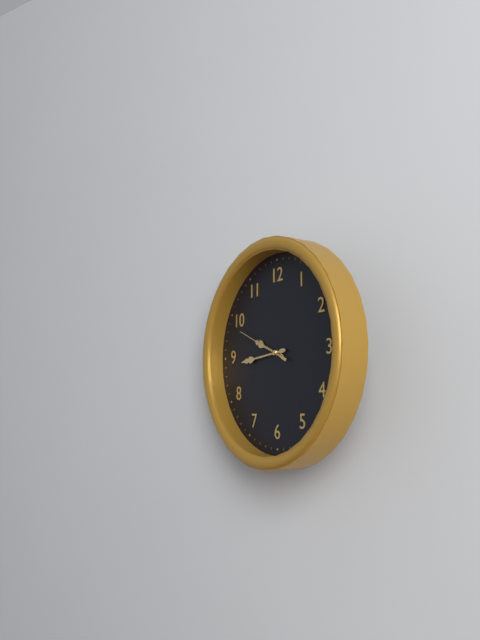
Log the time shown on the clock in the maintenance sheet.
9:44:49
